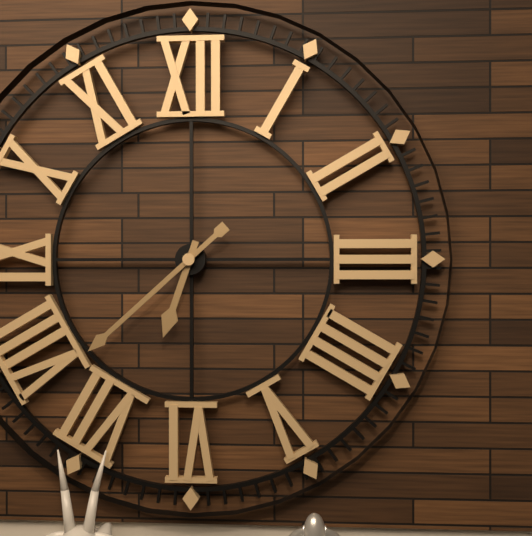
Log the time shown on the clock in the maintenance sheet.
6:38
